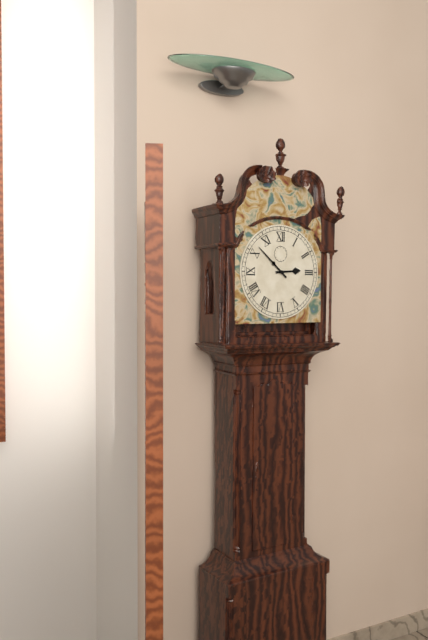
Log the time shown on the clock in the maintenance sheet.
2:52
